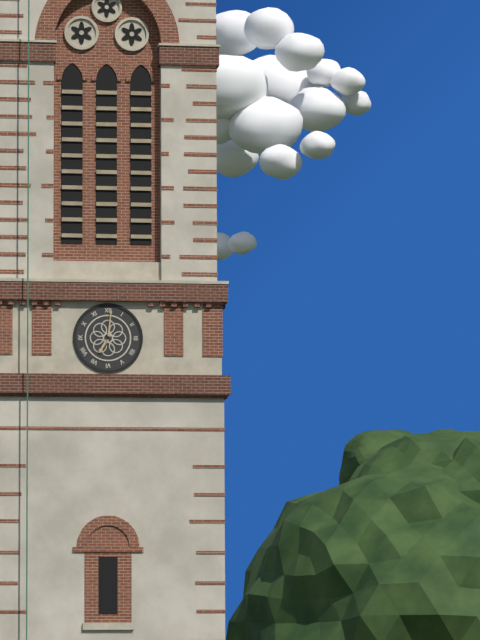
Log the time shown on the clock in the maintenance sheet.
7:01
